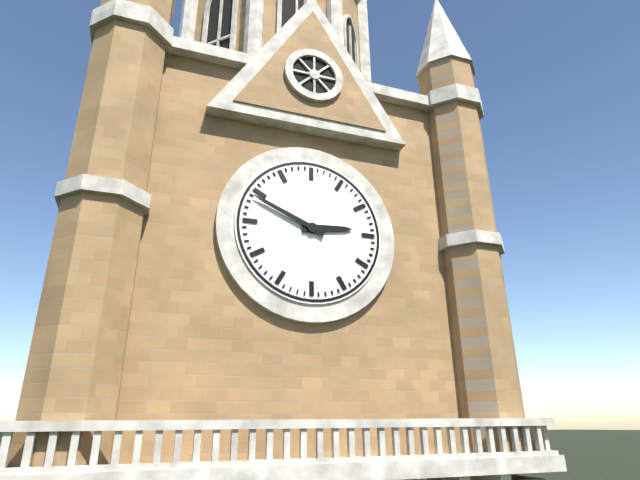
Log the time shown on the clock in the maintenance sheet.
2:49
